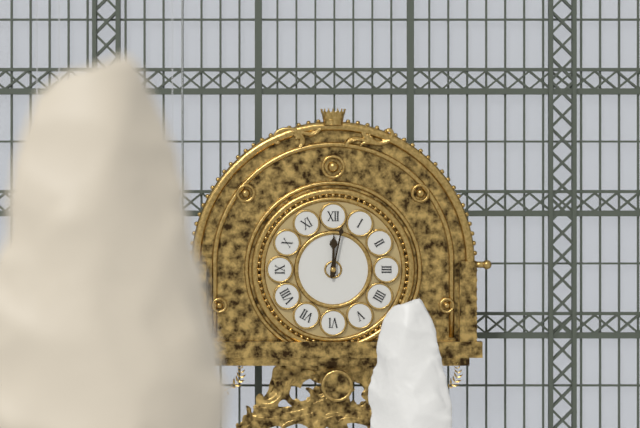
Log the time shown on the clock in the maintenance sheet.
12:02
